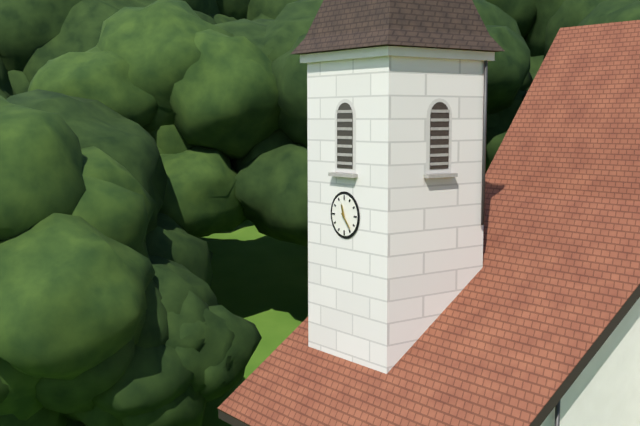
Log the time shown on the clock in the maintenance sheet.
11:23
